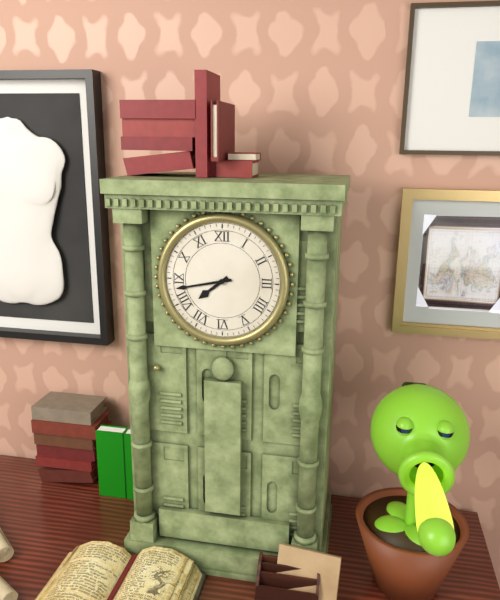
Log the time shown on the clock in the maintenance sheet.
7:43
